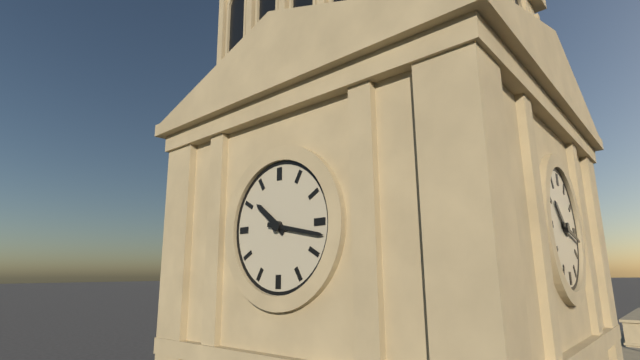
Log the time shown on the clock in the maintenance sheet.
10:17
